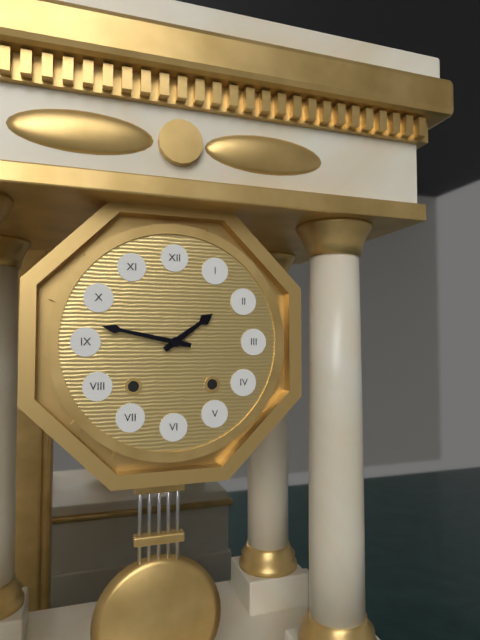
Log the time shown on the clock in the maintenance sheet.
1:47
